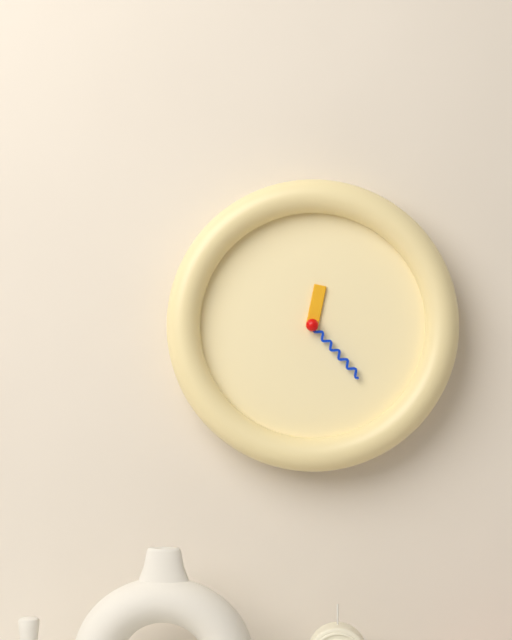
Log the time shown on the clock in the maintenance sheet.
12:23
